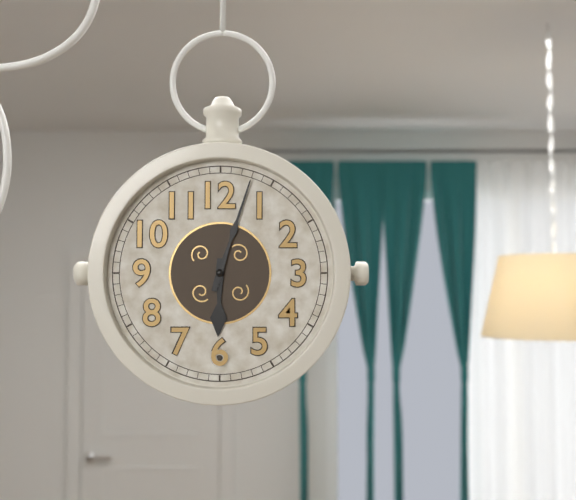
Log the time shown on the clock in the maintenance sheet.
6:03
